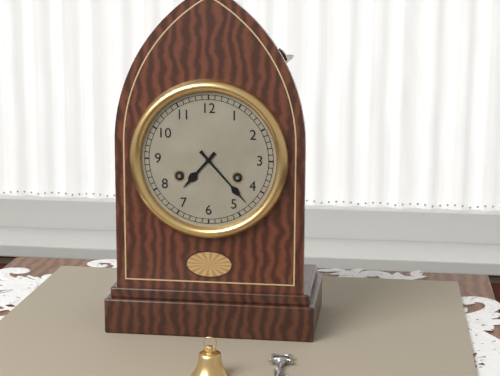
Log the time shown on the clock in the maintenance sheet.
7:23
